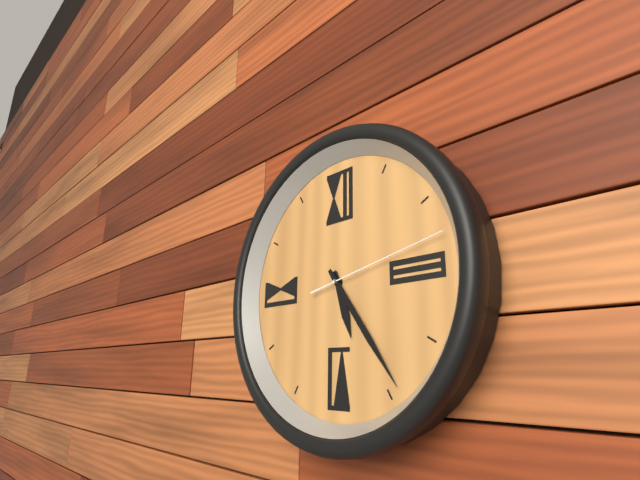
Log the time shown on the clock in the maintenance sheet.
5:24:13
